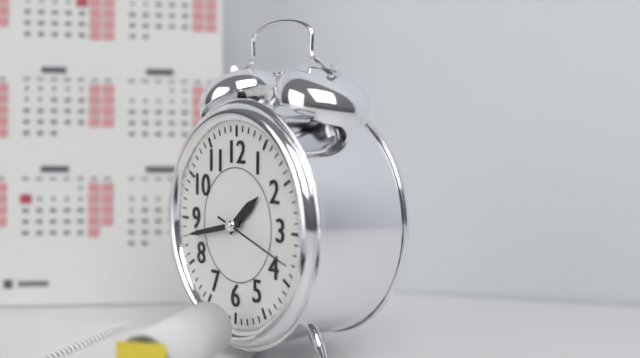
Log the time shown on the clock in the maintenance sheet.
1:43:18
